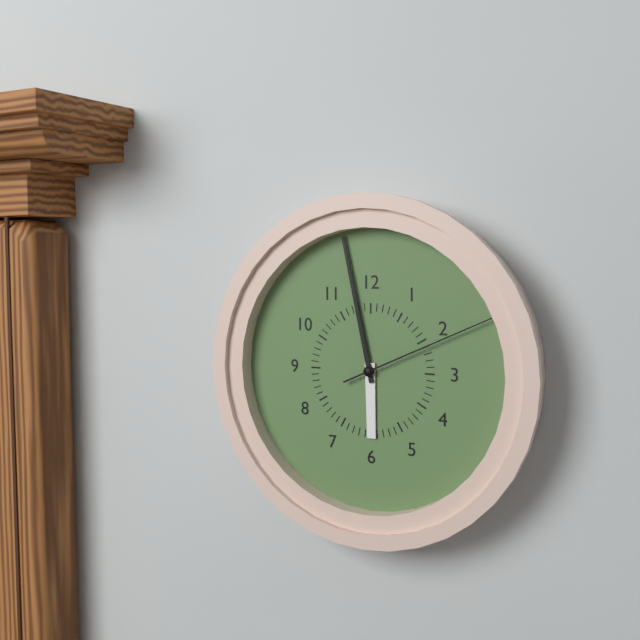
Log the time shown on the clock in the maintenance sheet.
5:58:11
